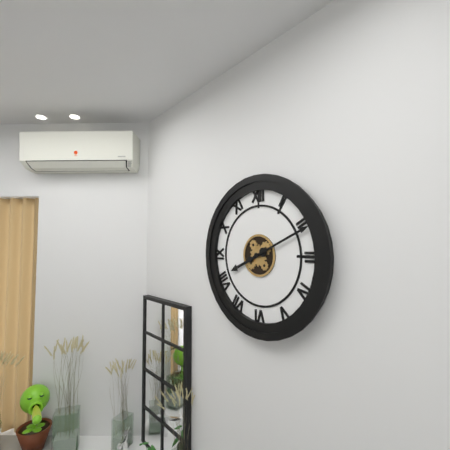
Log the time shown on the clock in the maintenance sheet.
8:11
